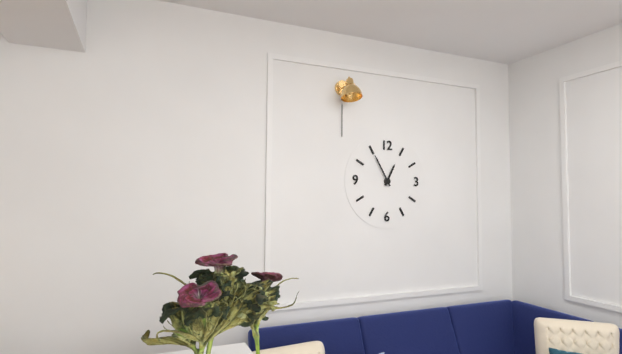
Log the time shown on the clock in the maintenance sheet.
12:55
